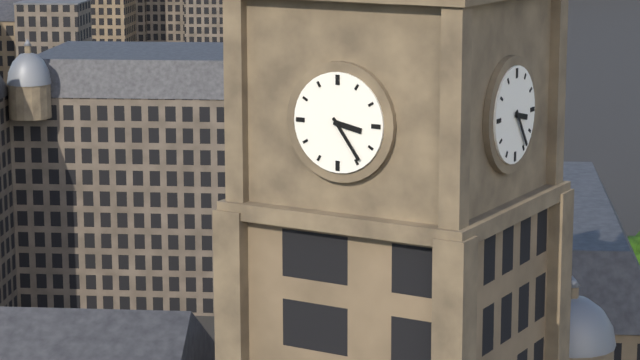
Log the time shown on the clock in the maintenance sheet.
3:24
